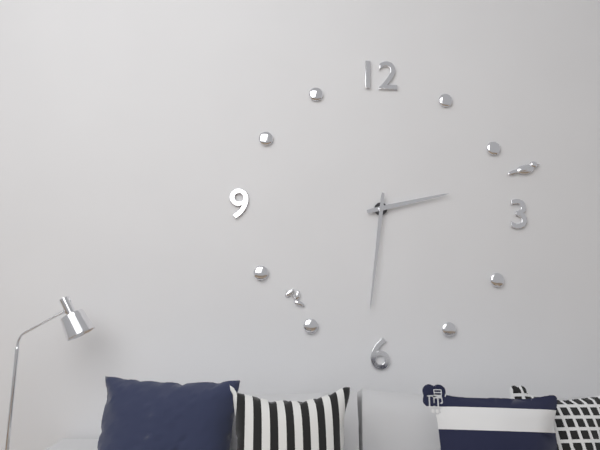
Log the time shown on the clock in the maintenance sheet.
2:31
